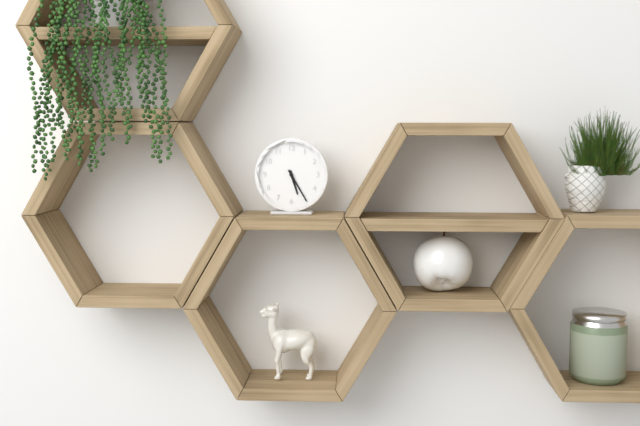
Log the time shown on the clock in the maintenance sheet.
5:25
